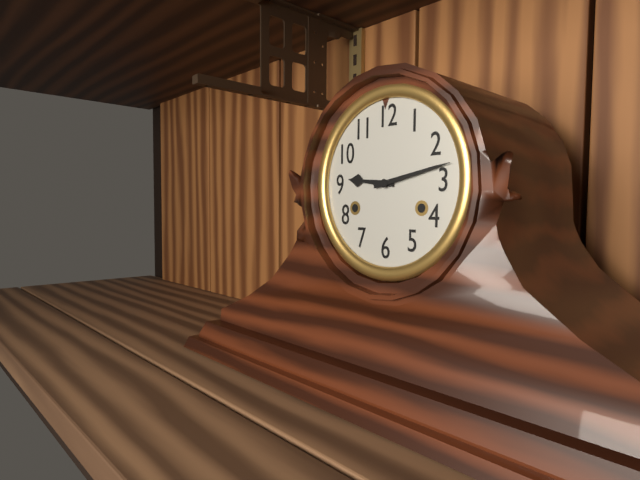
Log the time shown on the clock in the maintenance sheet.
9:13
